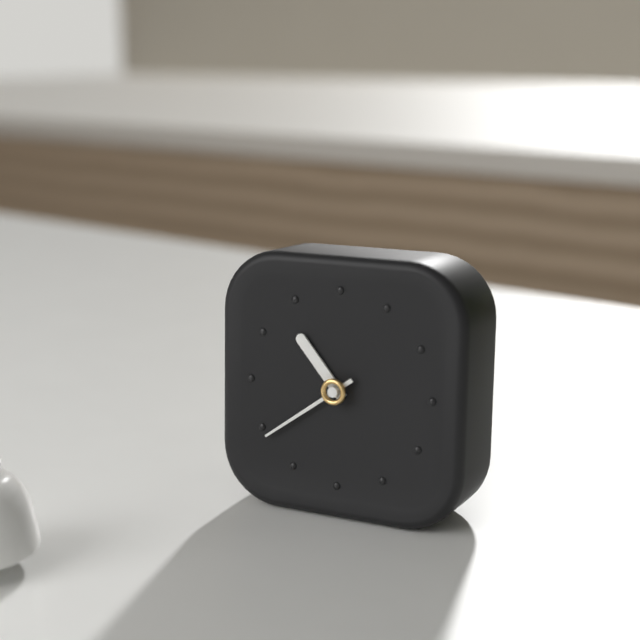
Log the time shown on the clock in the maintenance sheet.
10:39
